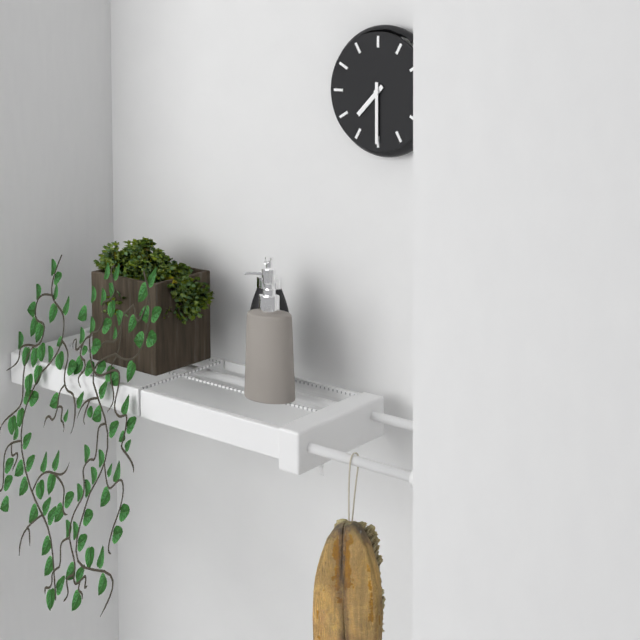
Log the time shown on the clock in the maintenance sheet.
7:30
